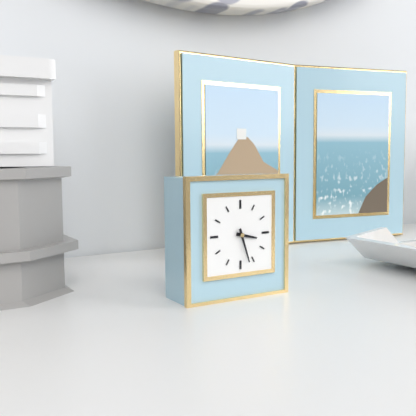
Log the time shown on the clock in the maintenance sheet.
3:27
